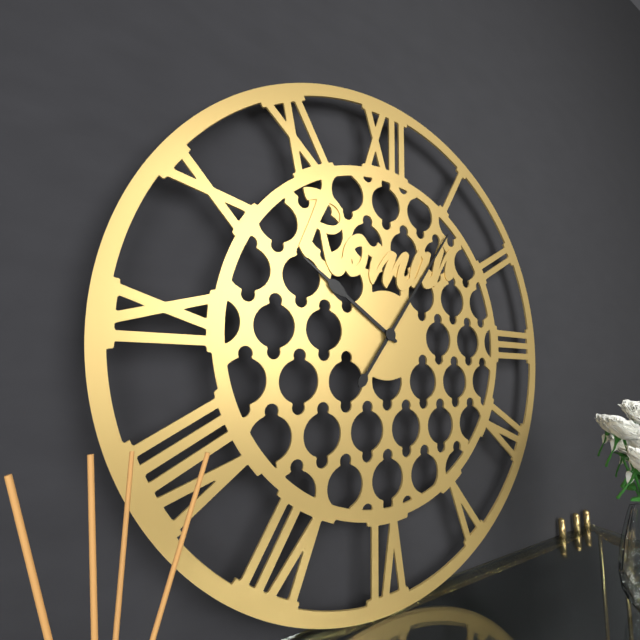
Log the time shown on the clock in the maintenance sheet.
10:06
